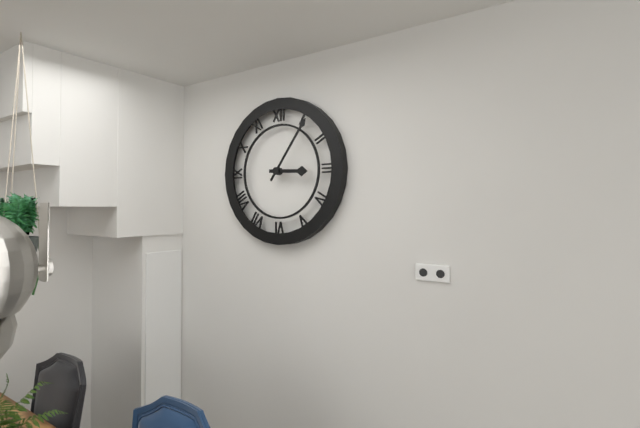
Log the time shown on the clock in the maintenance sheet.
3:06
